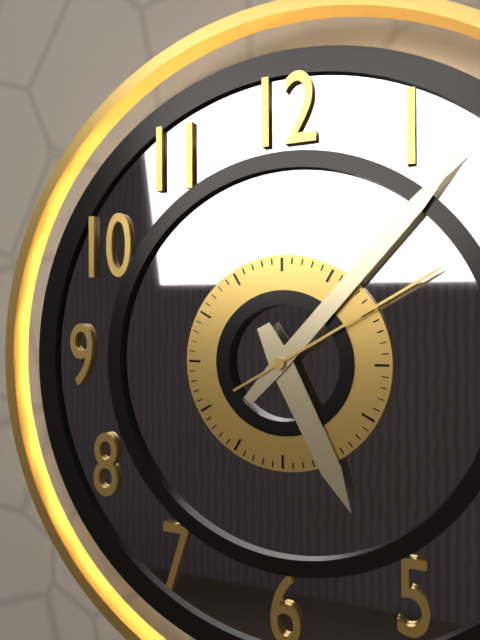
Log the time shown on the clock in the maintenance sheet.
5:07:10
